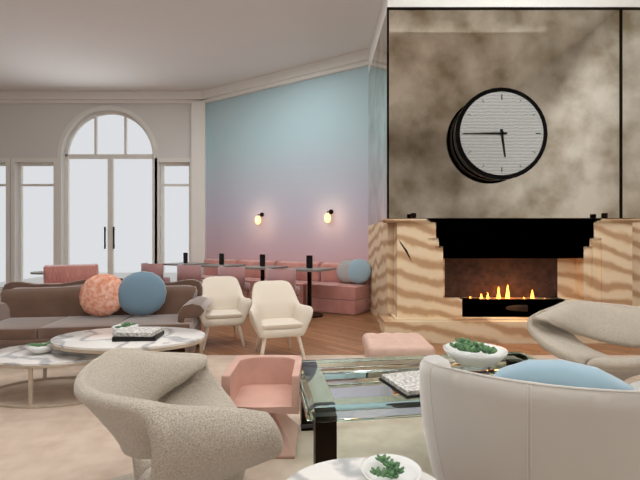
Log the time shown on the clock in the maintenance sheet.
5:45
